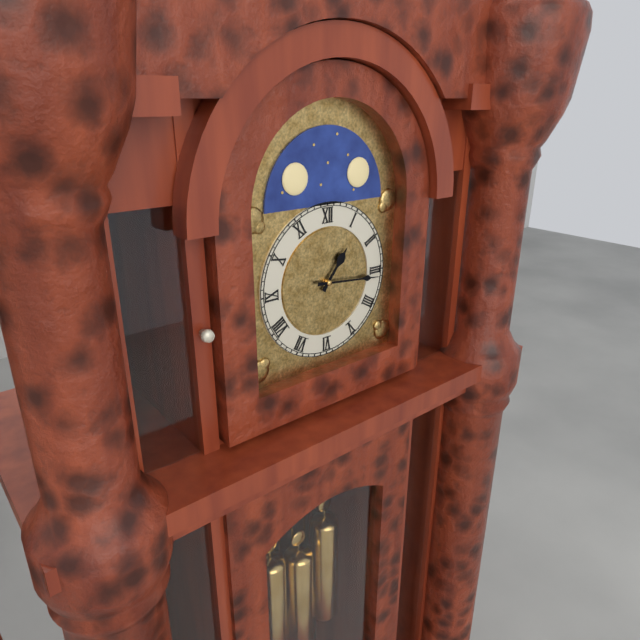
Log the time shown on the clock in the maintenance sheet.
1:16
